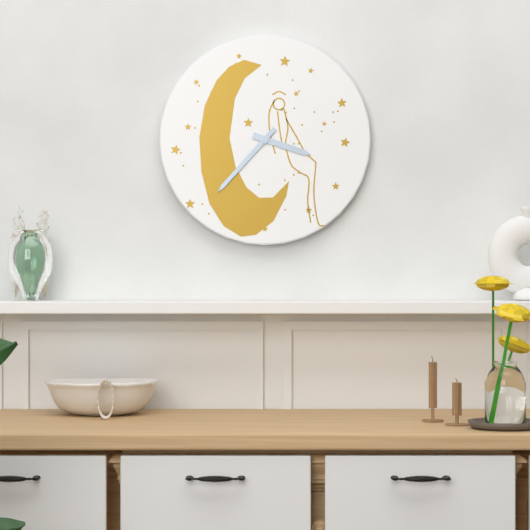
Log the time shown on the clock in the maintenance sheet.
3:37
